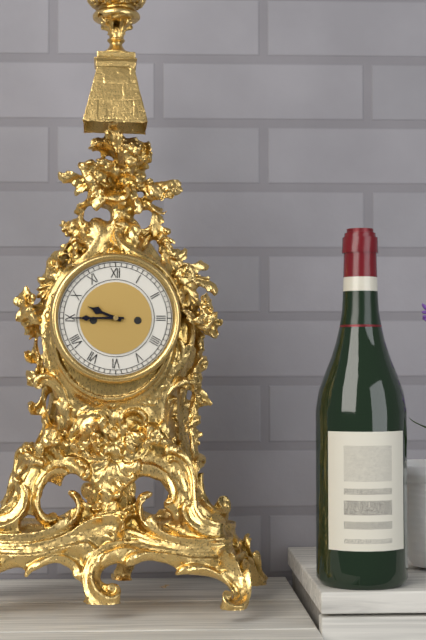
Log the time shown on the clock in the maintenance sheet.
9:45
